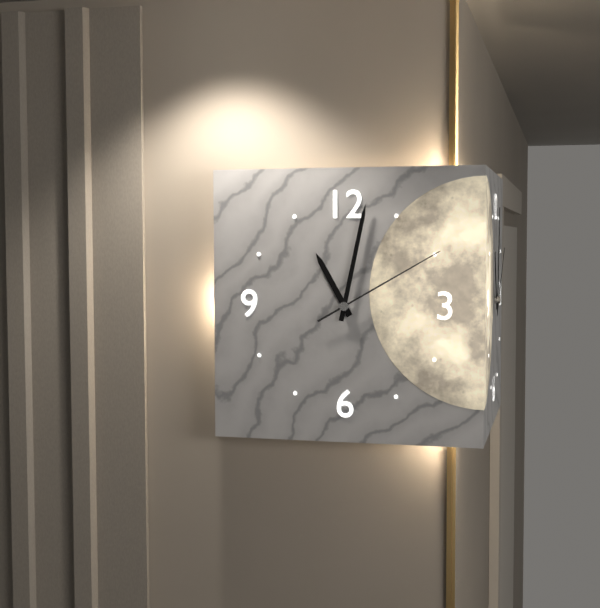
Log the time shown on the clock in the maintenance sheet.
11:02:10
